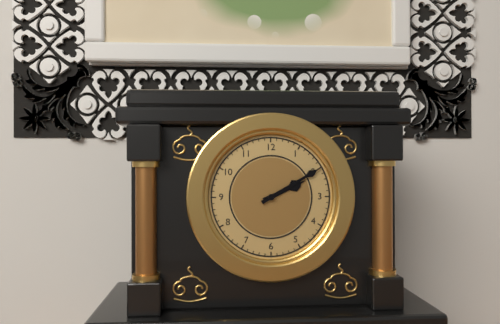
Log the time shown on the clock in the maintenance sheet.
2:10
